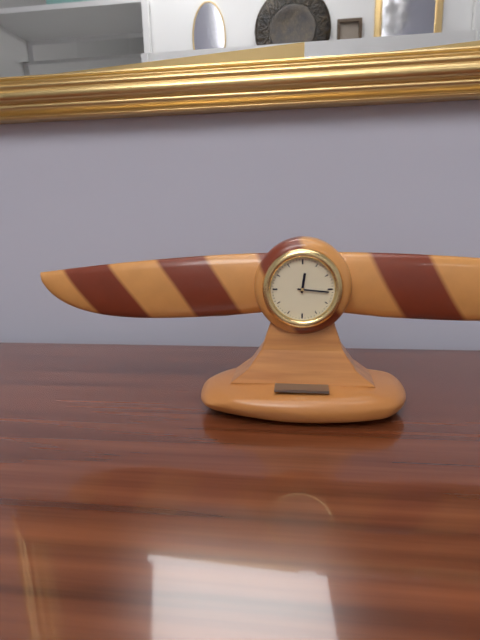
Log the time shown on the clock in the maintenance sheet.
12:16
